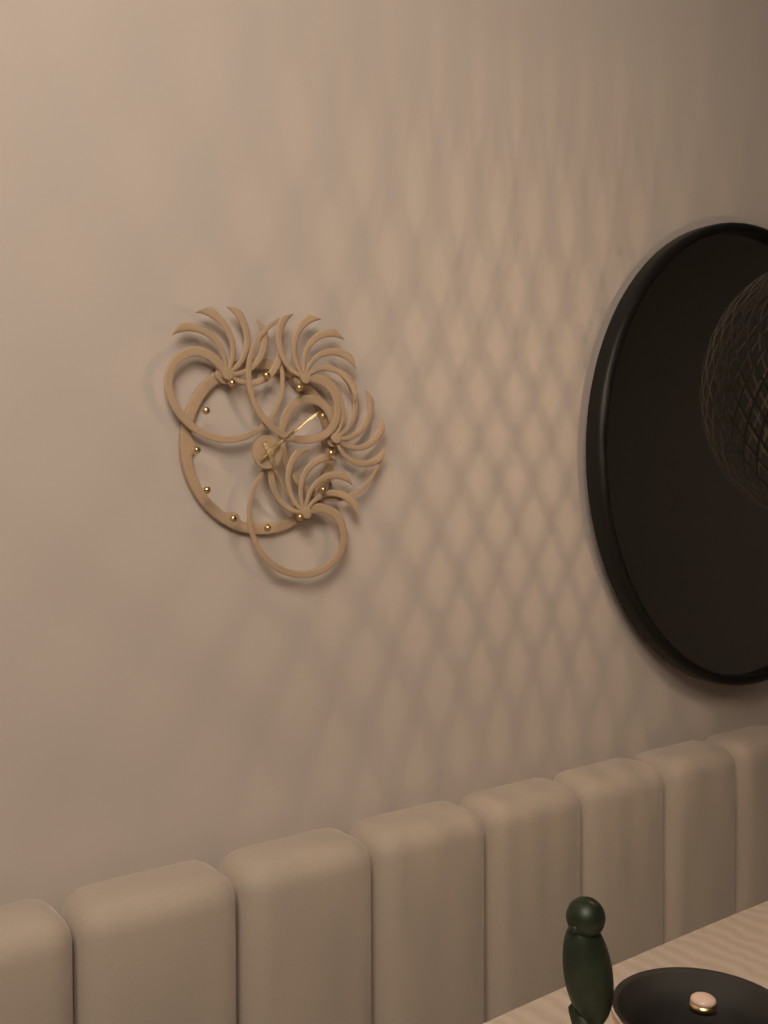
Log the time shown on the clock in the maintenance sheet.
5:09
